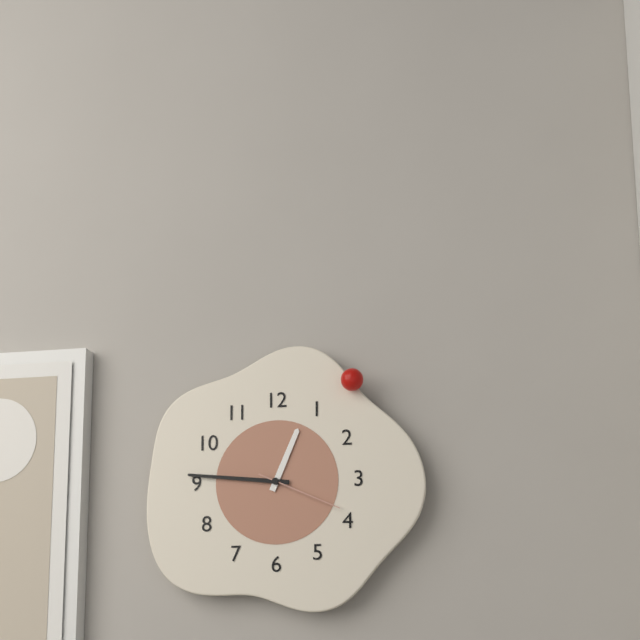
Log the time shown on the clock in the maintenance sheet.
12:46:19
